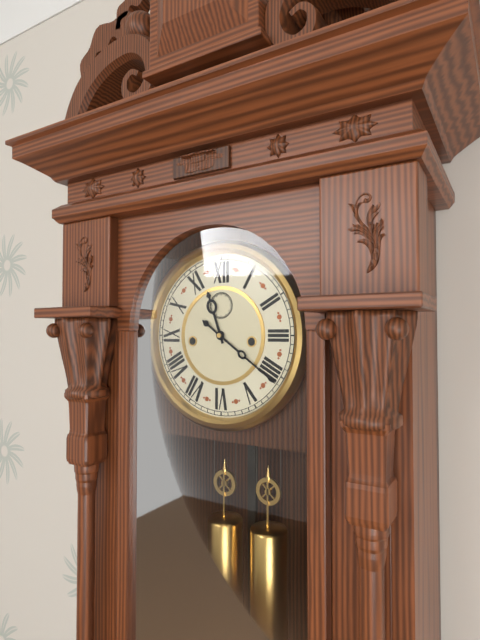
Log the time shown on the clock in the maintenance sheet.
11:21
